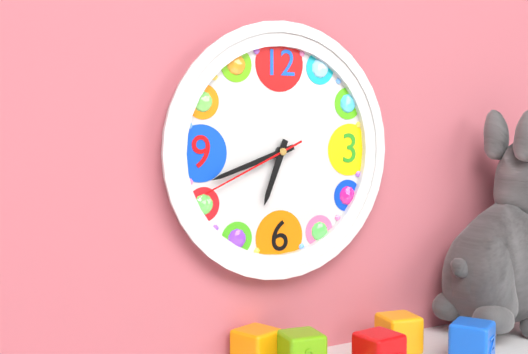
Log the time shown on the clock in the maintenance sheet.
6:42:41
